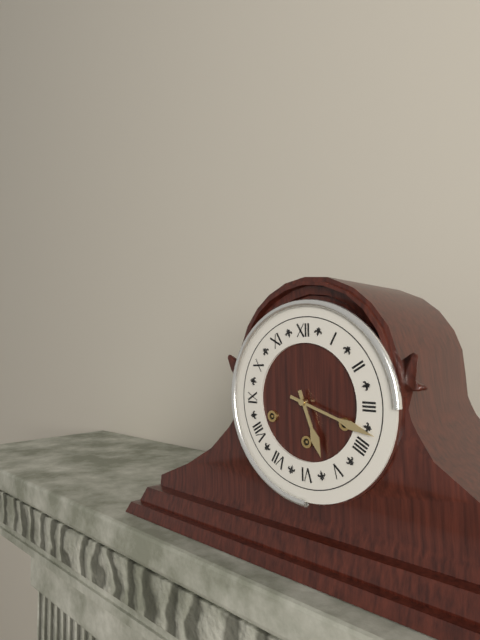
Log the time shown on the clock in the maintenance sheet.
5:18
